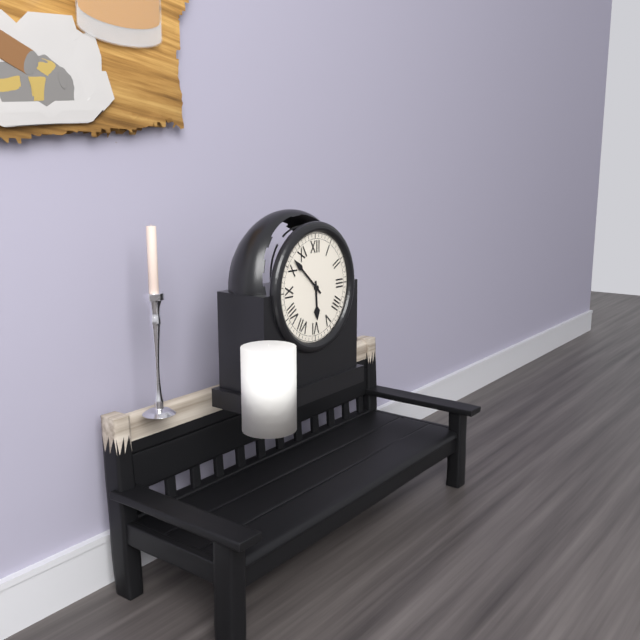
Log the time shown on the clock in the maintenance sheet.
5:52
